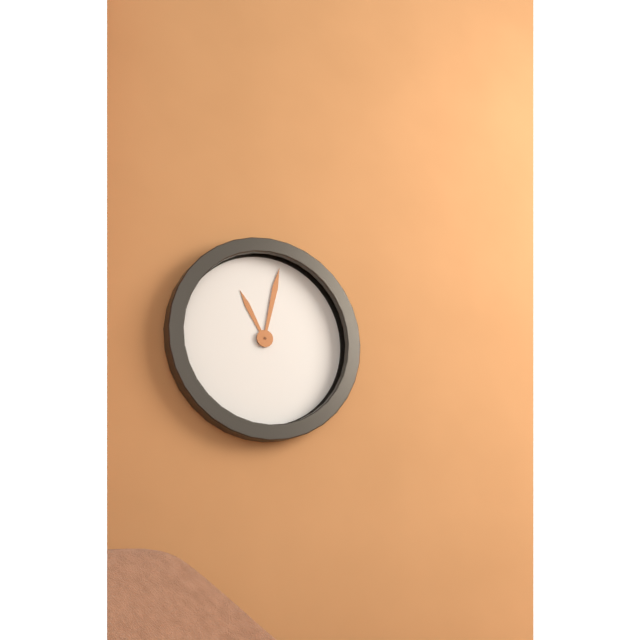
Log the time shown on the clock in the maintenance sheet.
11:02
